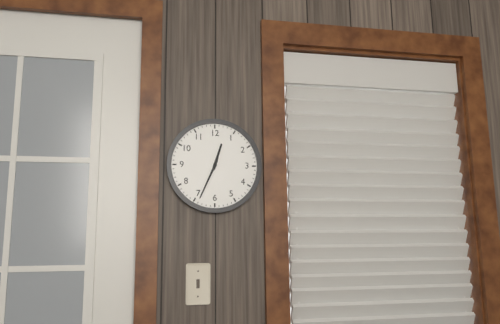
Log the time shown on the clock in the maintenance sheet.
12:34
